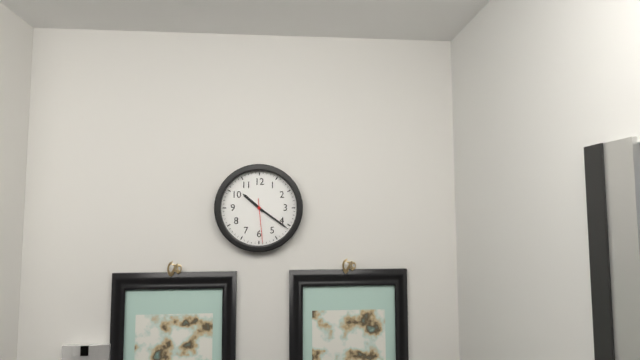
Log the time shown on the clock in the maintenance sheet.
10:21
